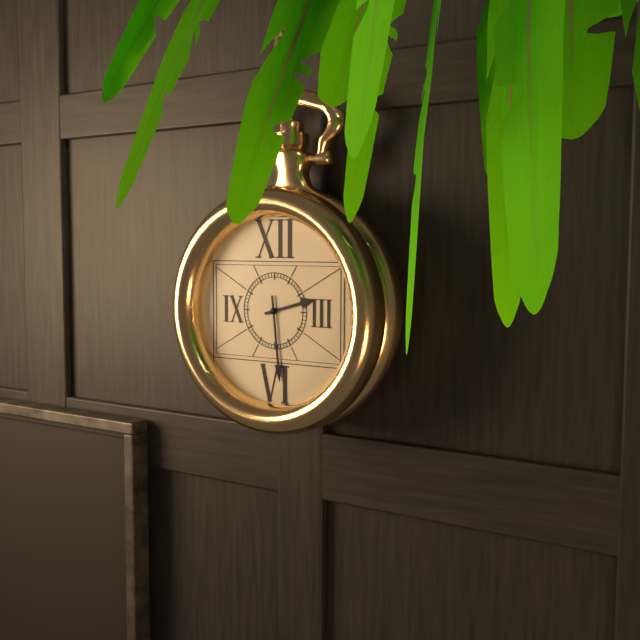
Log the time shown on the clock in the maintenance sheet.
2:29
